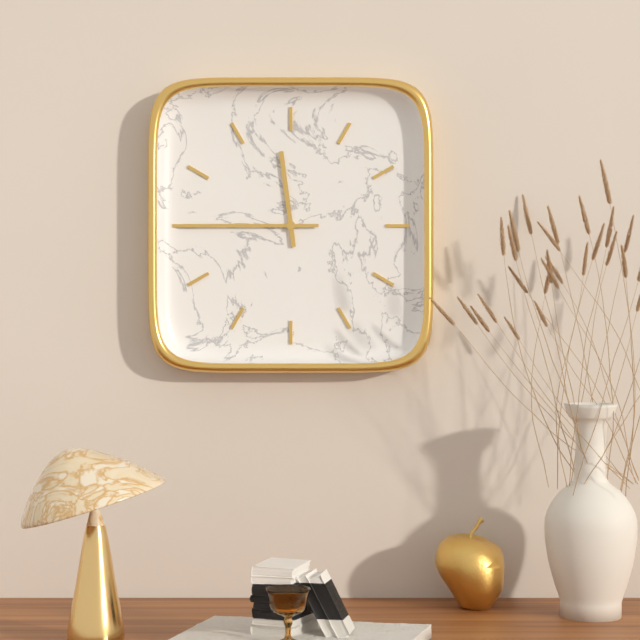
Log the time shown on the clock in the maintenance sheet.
11:45
